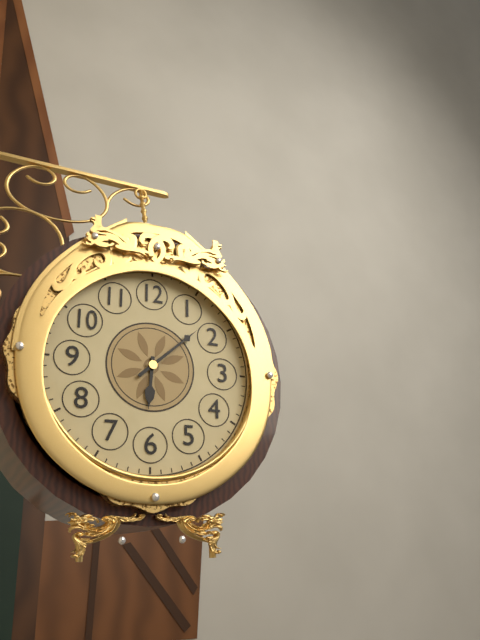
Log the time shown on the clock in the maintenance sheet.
6:08
